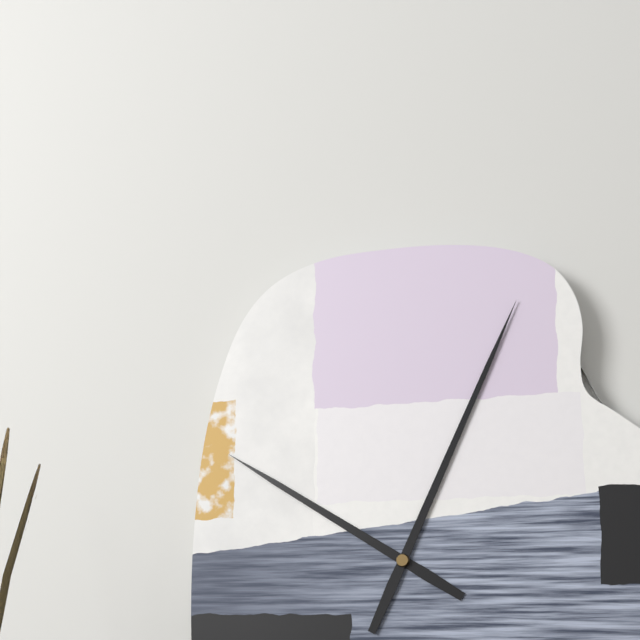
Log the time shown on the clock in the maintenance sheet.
10:04
